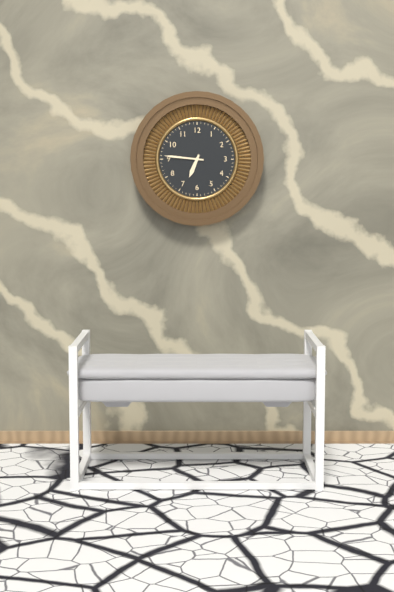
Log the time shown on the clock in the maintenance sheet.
6:46
